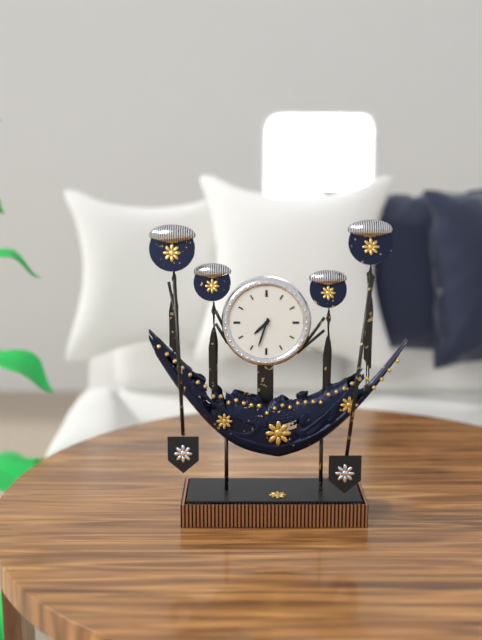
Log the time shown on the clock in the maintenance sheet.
7:33
